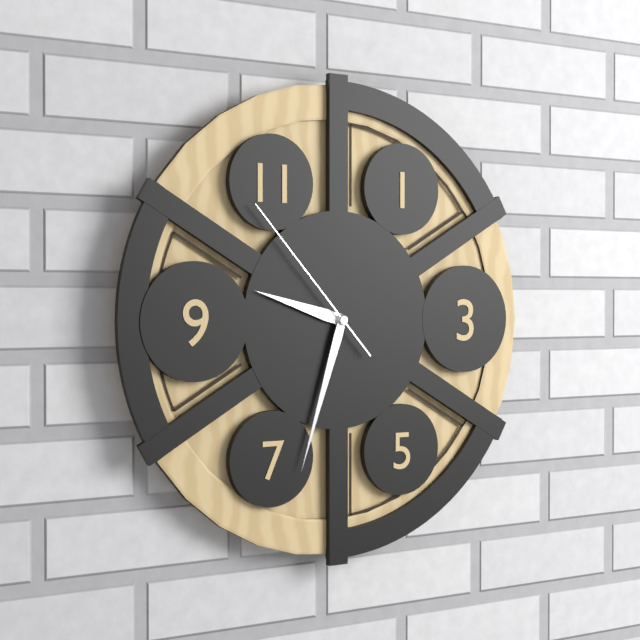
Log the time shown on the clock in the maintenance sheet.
9:33:53
